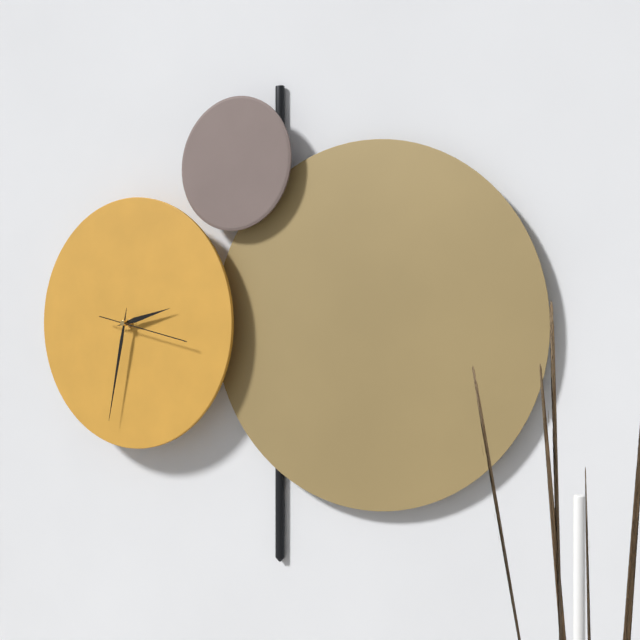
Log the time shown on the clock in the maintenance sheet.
2:32:17
